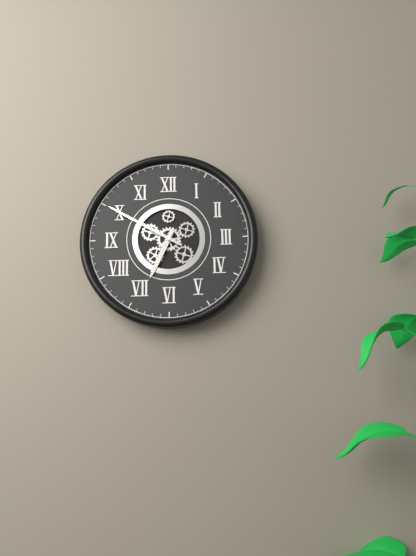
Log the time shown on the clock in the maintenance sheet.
6:50
